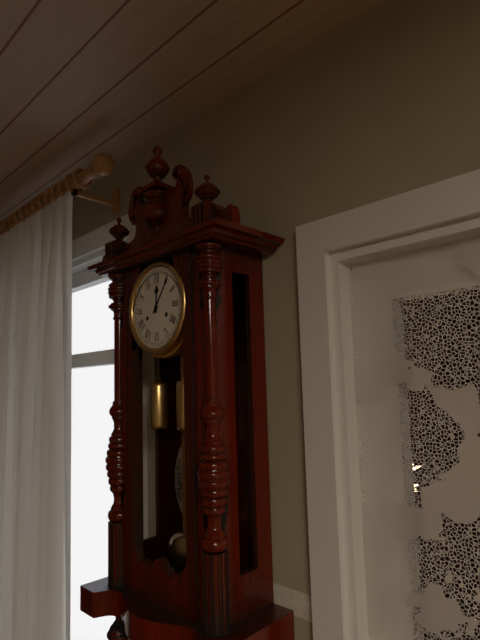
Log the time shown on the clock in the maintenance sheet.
12:06
